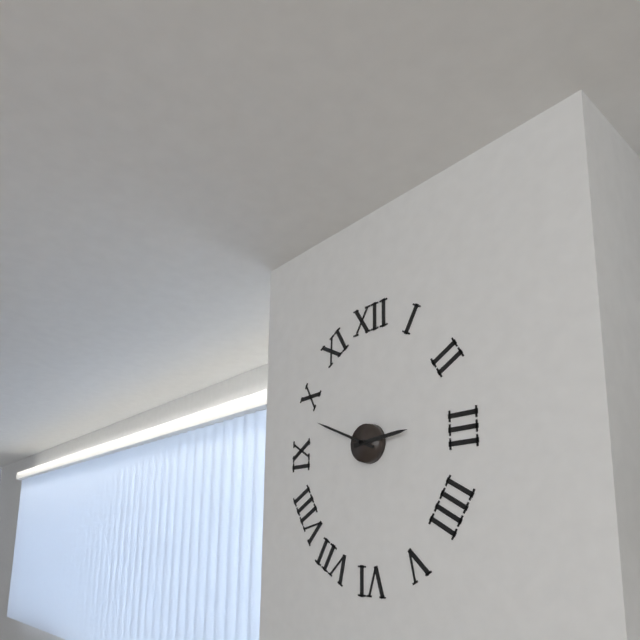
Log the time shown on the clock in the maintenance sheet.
2:49
